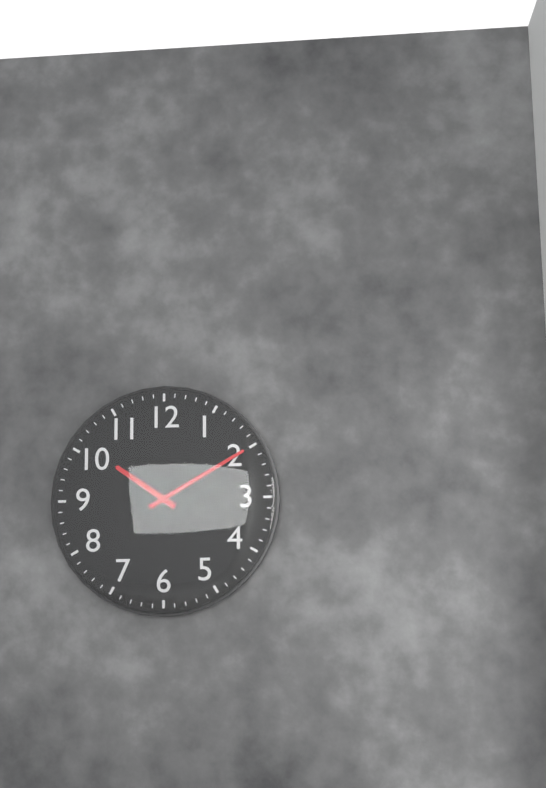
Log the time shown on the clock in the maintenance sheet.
10:10
